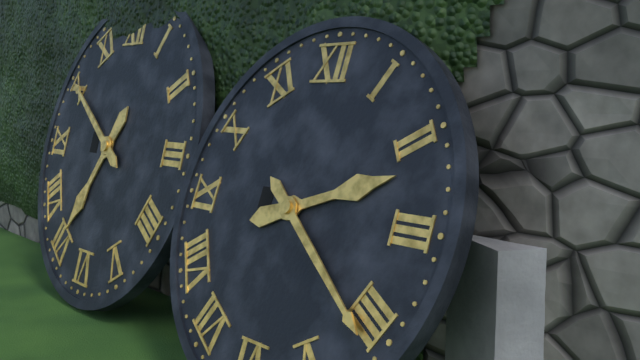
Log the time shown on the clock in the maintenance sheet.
2:21
